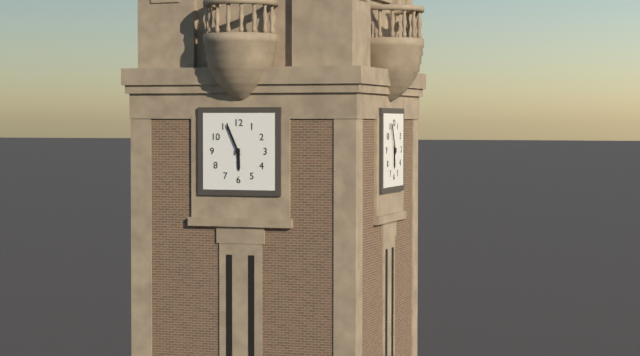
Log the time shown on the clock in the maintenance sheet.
5:56
